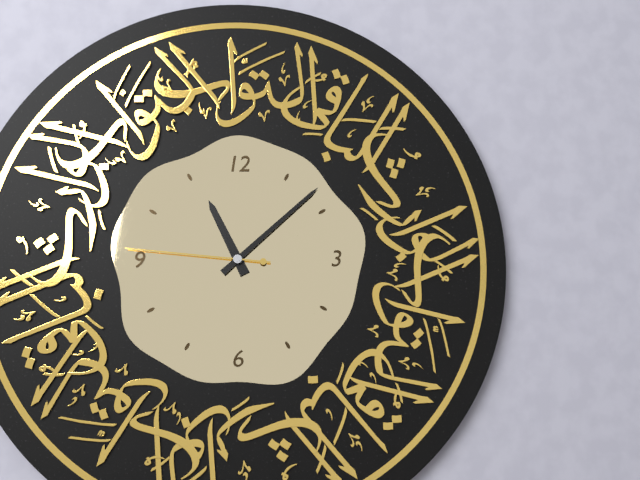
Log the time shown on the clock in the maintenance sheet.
11:08:46
